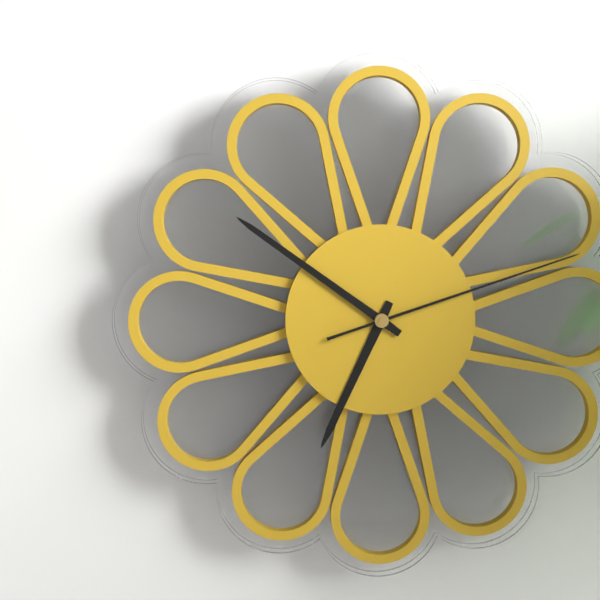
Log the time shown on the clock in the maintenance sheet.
6:51:12
